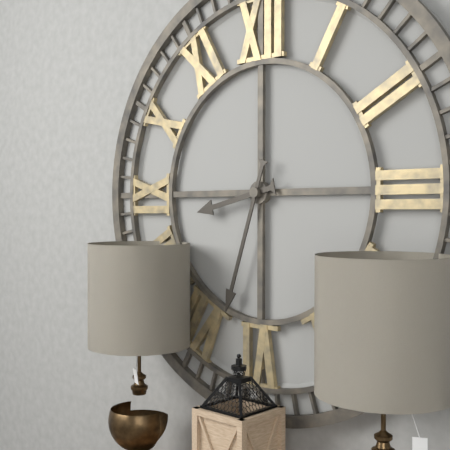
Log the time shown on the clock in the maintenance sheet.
8:33
